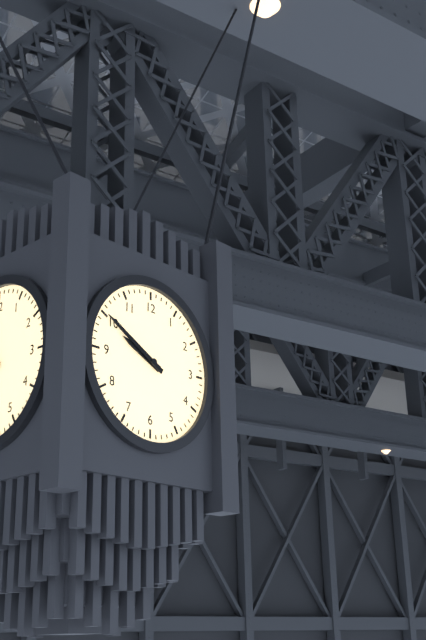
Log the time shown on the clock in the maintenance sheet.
9:50
